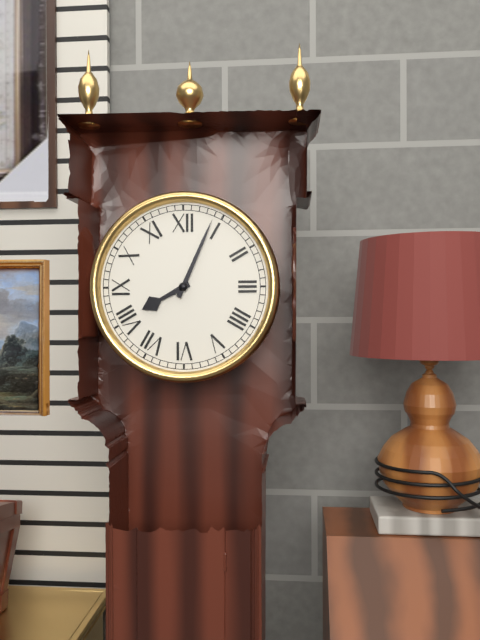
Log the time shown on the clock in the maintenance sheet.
8:04
